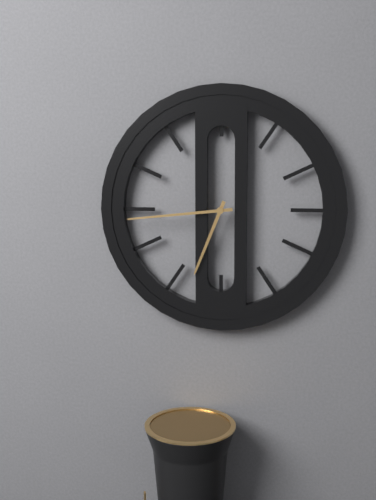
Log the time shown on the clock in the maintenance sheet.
6:44
